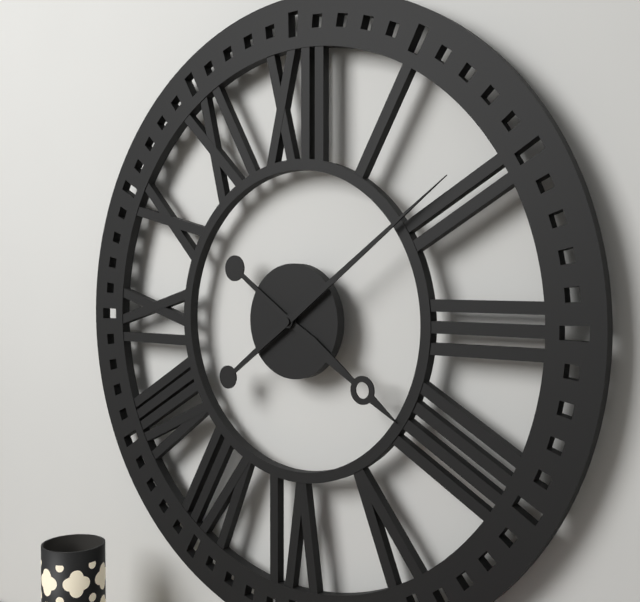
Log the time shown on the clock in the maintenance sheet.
4:09
